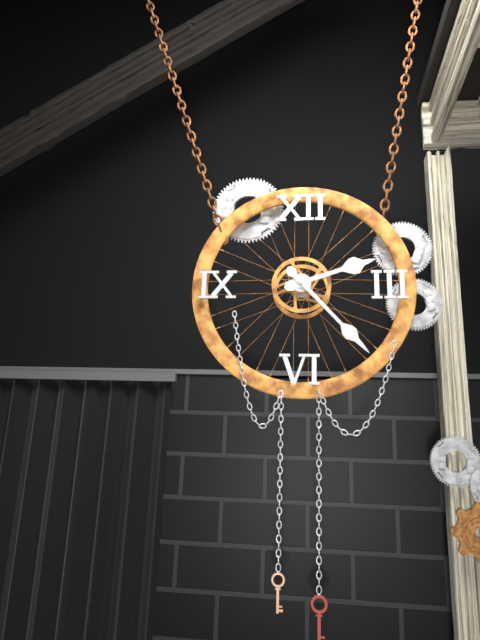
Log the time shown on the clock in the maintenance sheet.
2:23
